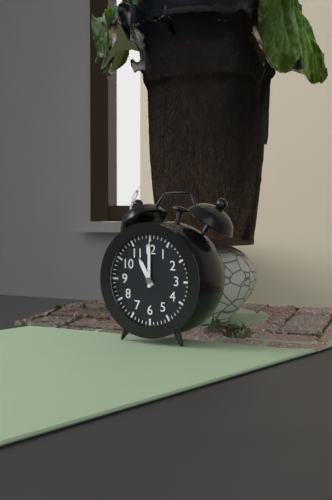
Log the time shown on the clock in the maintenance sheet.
11:00
